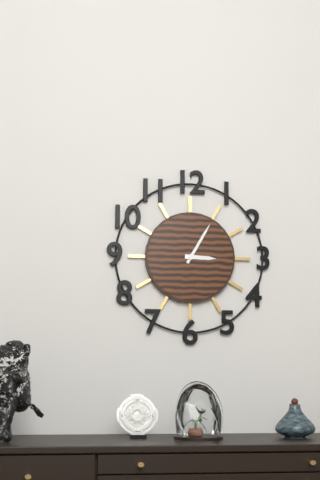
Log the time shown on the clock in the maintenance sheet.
3:05
